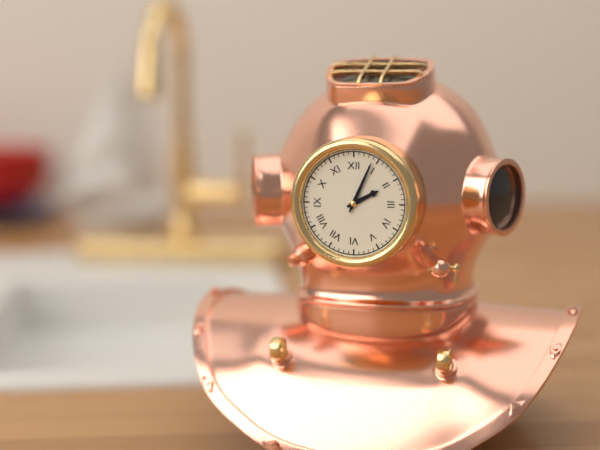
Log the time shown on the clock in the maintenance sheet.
2:04
